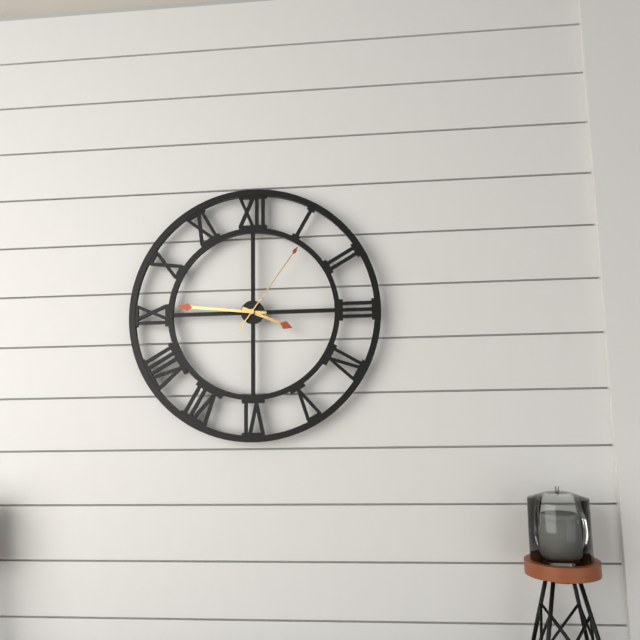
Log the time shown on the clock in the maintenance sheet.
3:46:06
